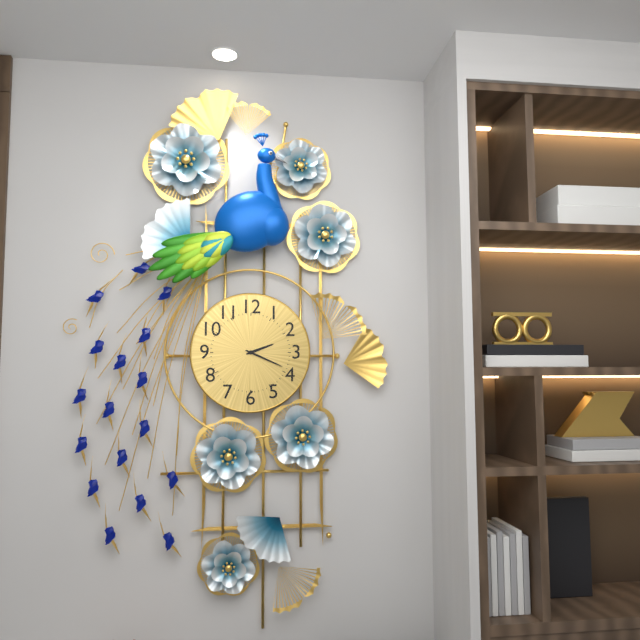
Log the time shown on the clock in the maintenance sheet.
2:19
